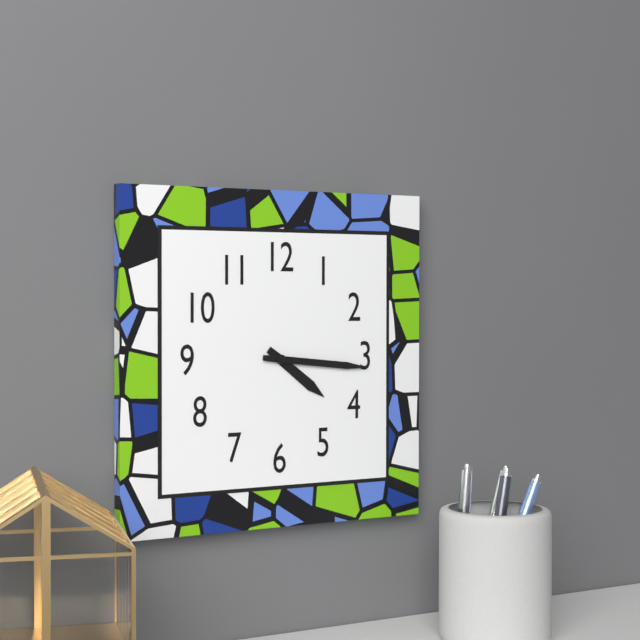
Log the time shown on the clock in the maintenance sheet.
4:16
